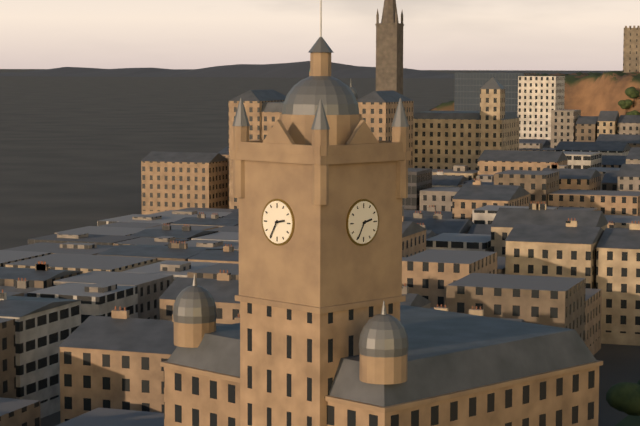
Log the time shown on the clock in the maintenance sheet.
2:35
